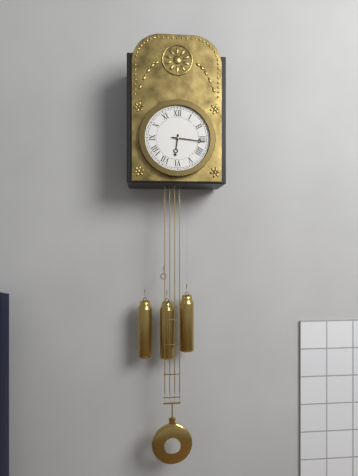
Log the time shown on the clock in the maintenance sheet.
6:16
